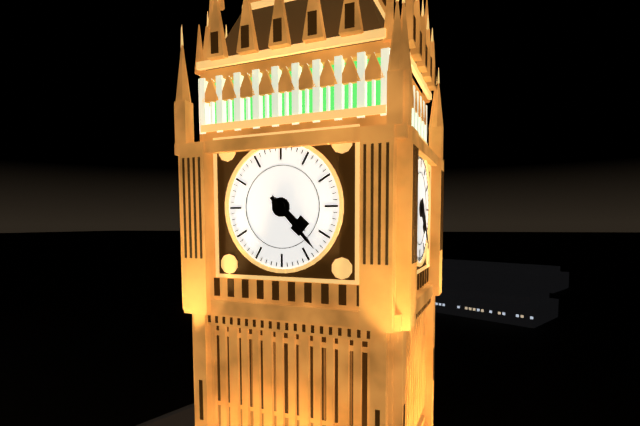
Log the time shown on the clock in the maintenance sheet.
4:23
